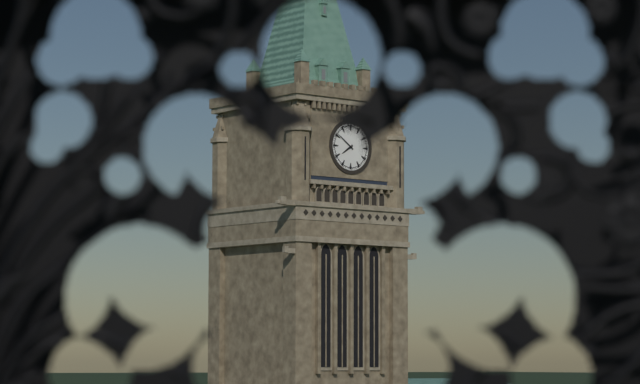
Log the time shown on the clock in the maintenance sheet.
7:51
